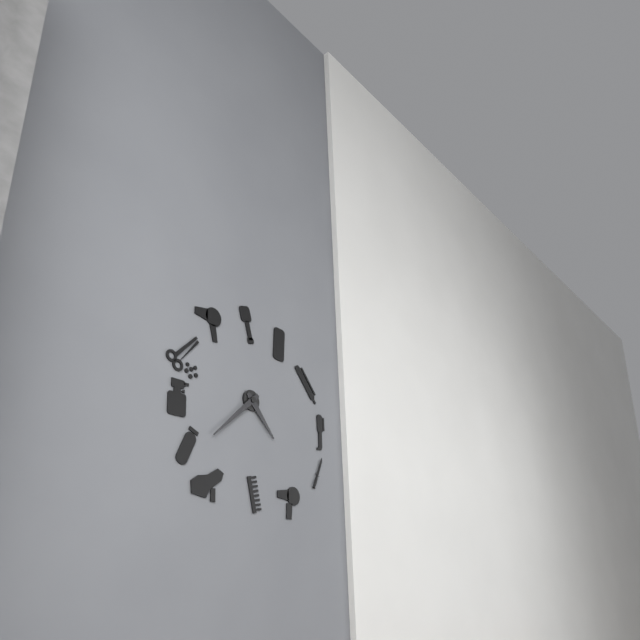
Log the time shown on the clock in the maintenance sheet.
4:38
